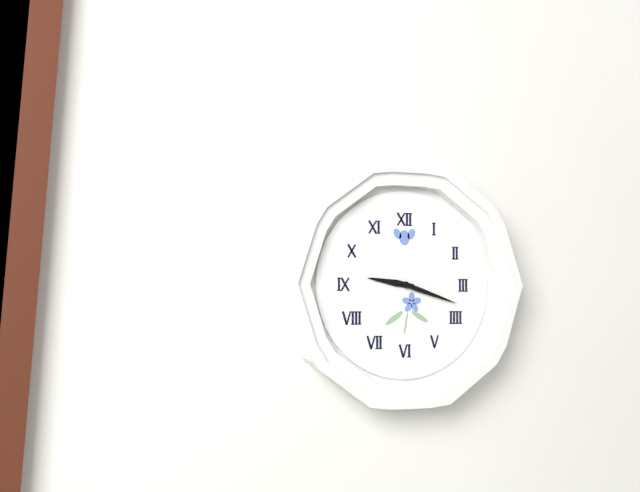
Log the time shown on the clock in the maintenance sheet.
9:18
